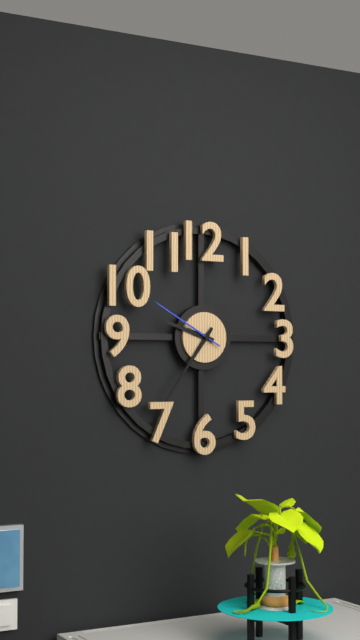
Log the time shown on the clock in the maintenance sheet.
9:36:50
